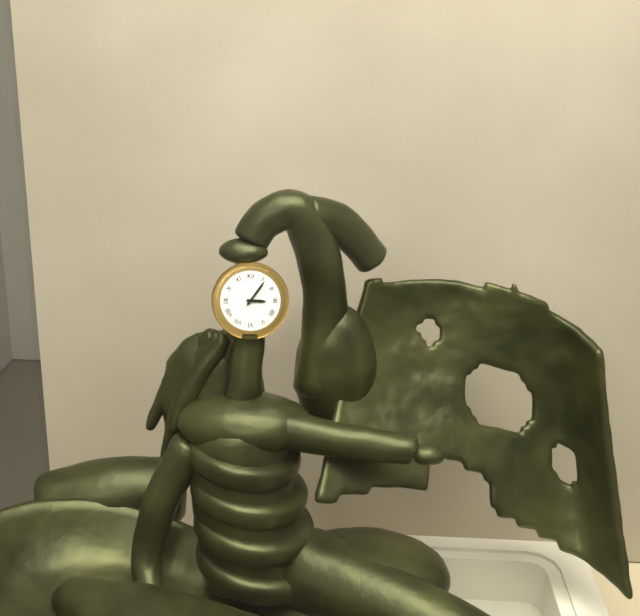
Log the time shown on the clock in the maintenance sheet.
3:06
